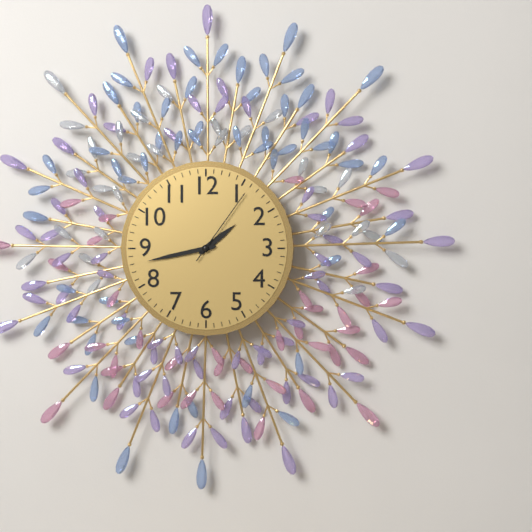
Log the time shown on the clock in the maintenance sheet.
1:43:06
